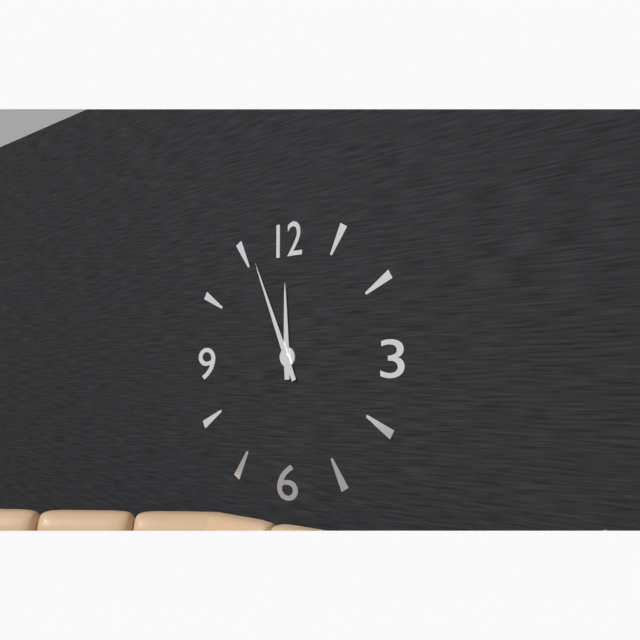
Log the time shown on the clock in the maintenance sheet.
11:56
